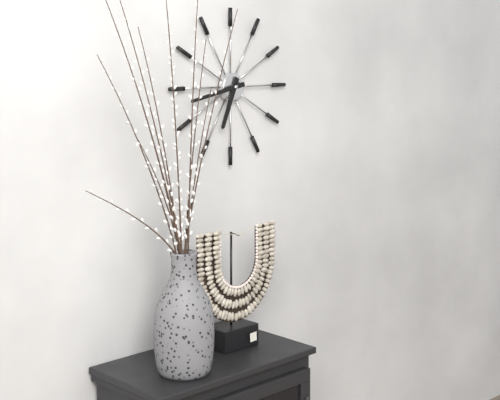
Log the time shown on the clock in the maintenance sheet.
6:43
